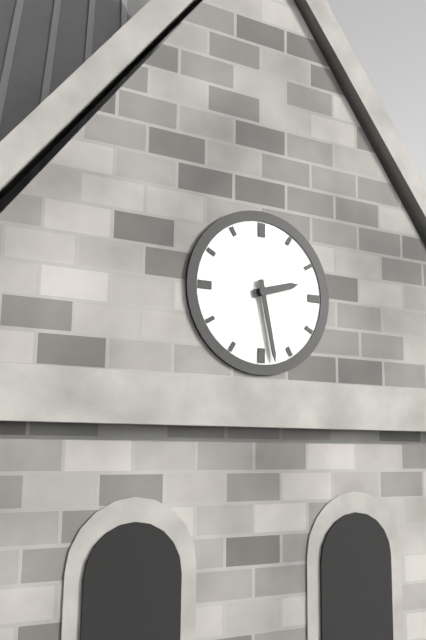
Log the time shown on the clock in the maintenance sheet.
2:28
